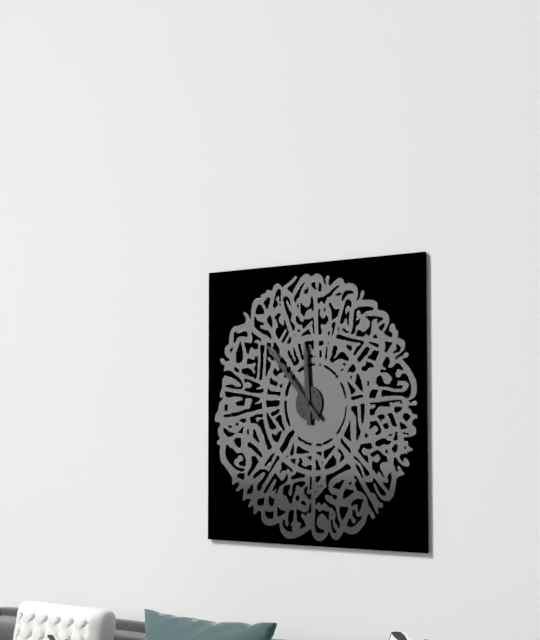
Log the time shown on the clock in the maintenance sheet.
11:53
